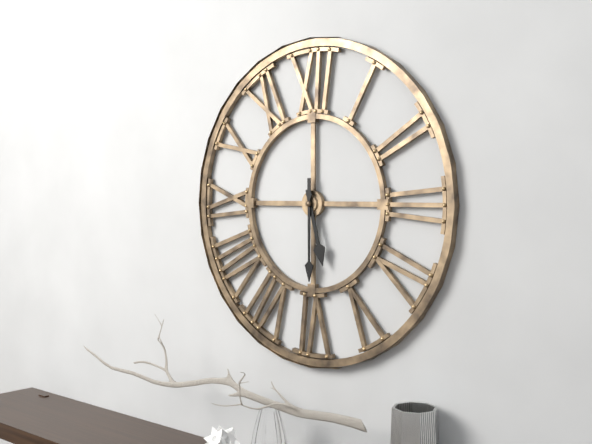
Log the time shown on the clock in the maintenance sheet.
5:30
